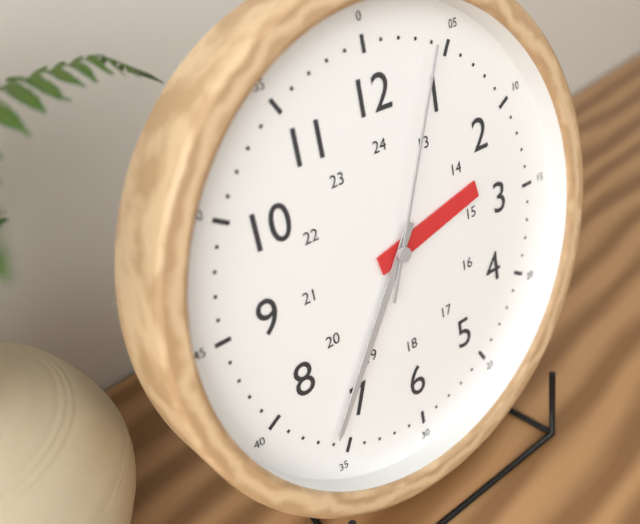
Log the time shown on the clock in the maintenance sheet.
2:36:04
